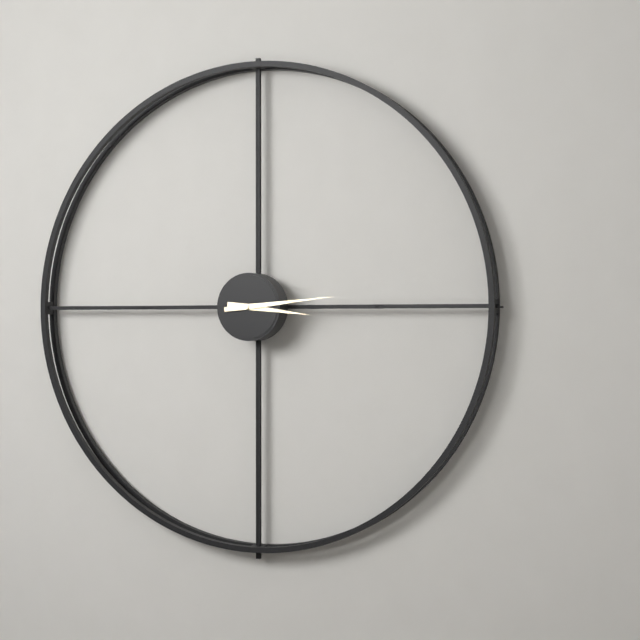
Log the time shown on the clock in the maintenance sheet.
3:14
